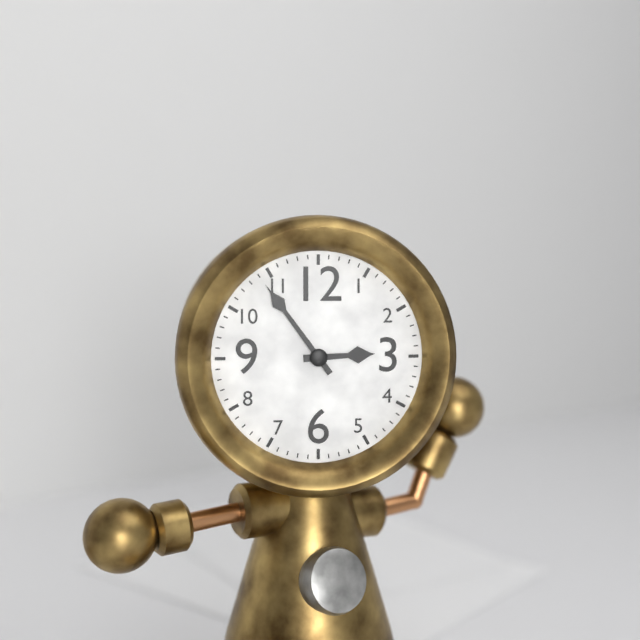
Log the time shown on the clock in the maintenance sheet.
2:54
